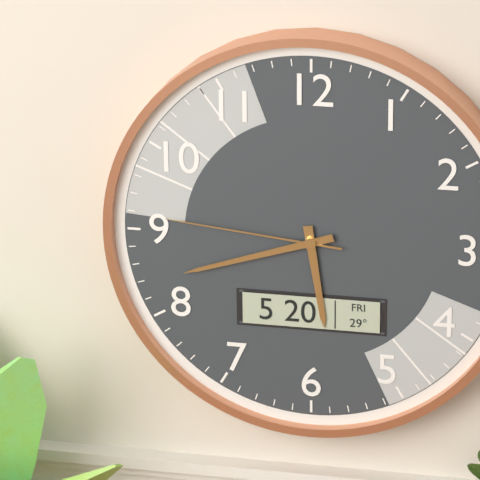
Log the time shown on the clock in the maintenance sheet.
5:42:46
